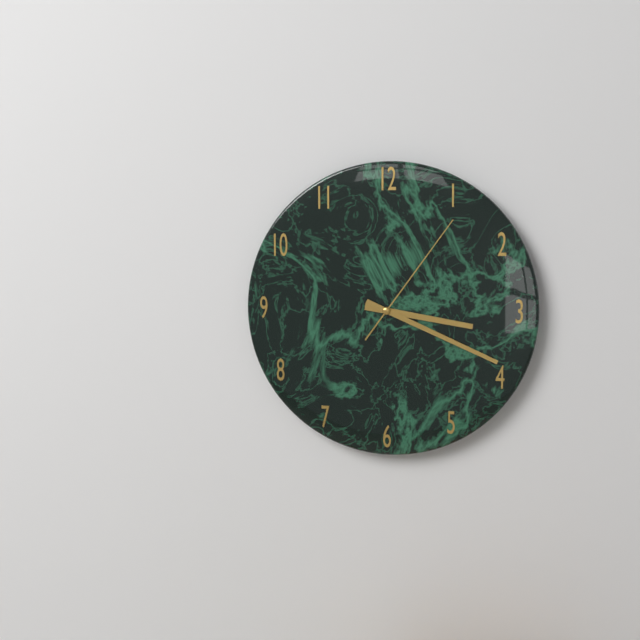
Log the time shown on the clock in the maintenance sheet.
3:19:06
